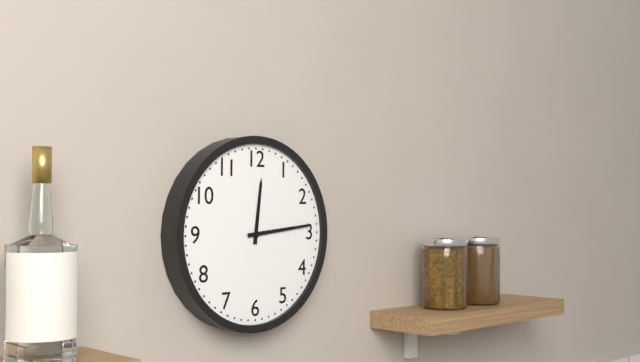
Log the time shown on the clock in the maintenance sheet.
12:14
